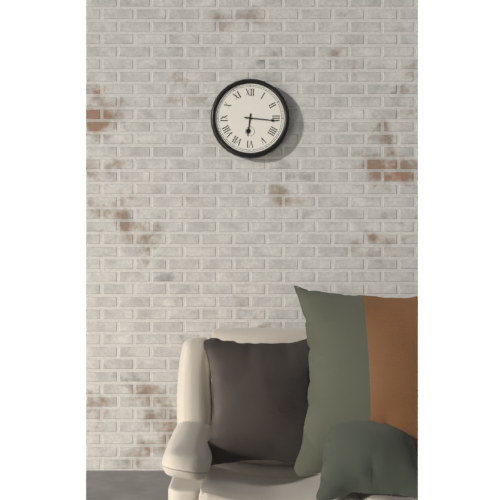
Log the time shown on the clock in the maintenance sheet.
6:16
